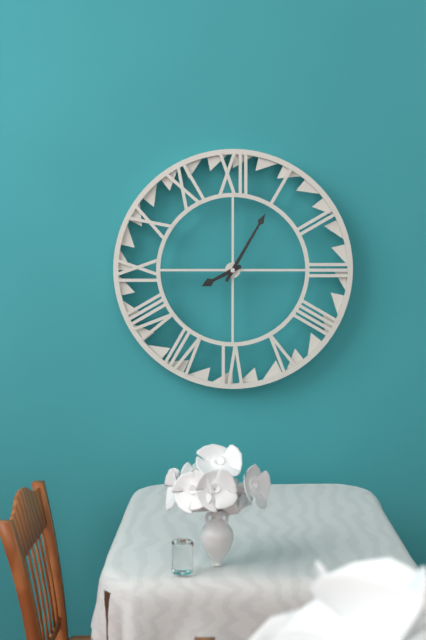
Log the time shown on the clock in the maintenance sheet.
8:05
